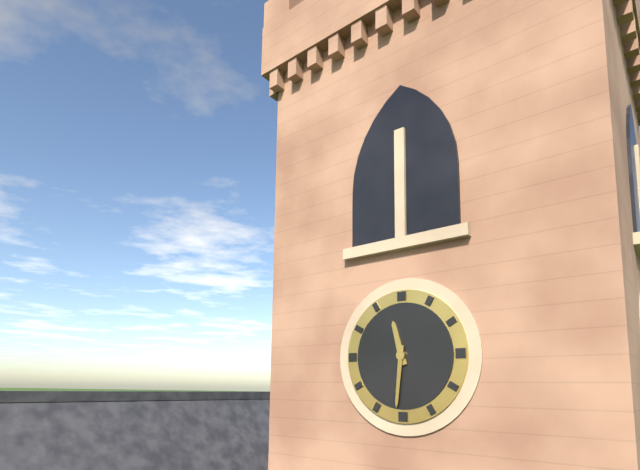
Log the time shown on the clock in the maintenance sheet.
11:31
